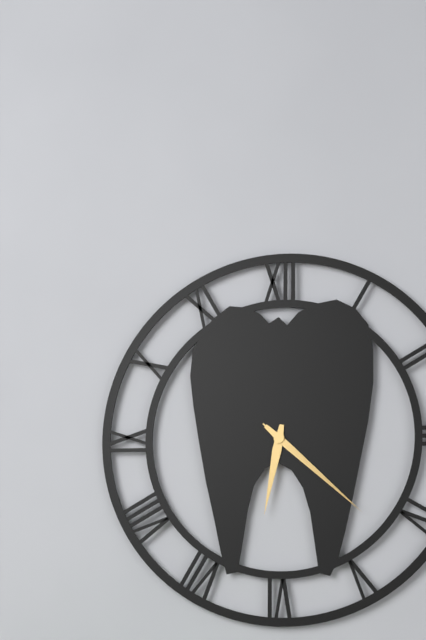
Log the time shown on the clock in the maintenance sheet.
6:22:22
